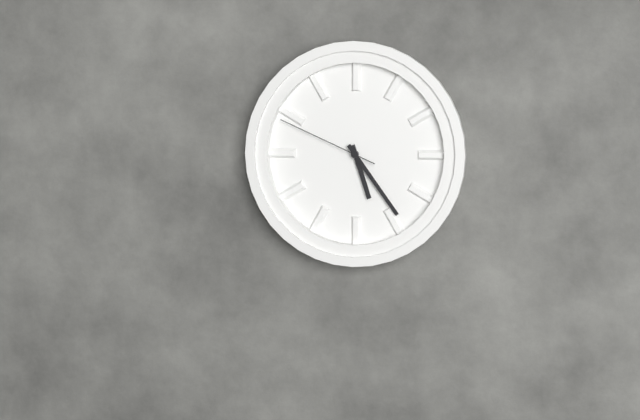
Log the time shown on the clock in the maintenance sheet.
5:24:49
